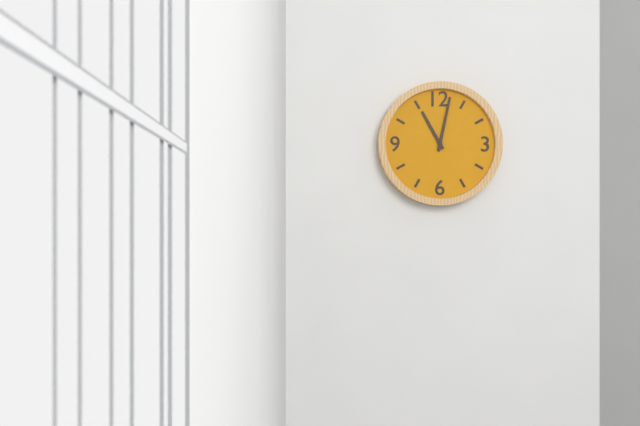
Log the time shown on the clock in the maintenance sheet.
11:02
